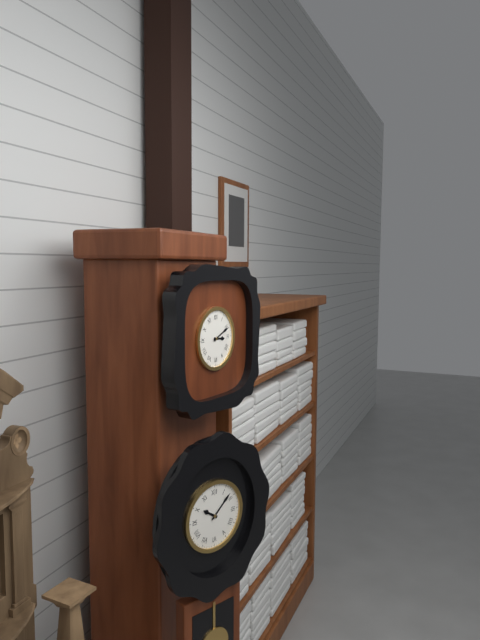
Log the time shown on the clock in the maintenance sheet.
3:11
